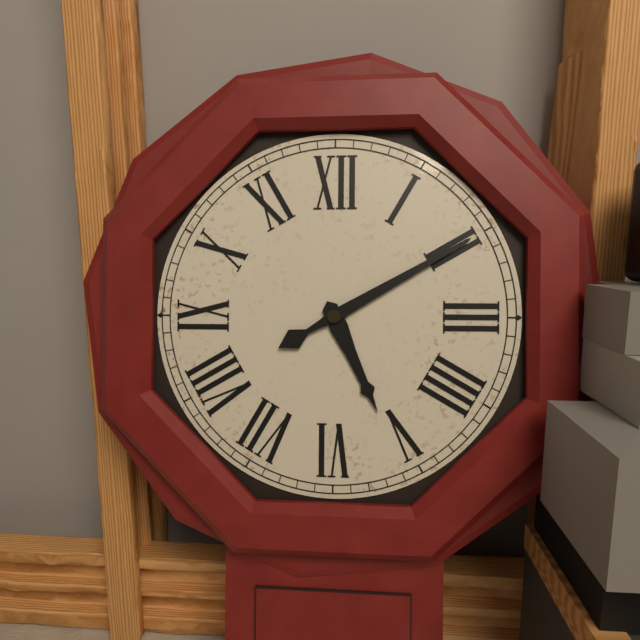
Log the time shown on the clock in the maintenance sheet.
5:10
